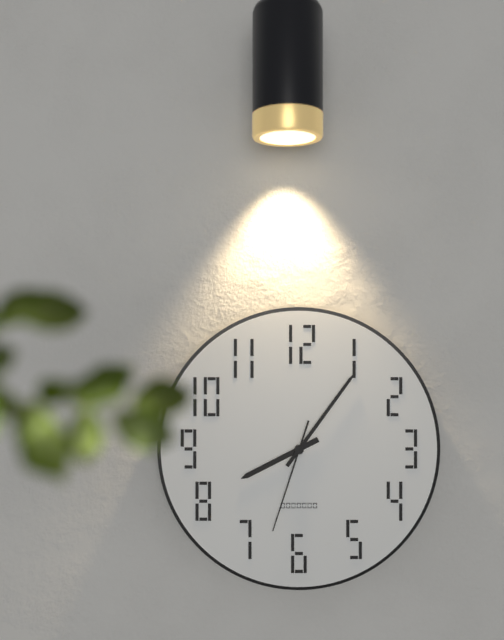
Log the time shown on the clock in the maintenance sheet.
8:06:33
